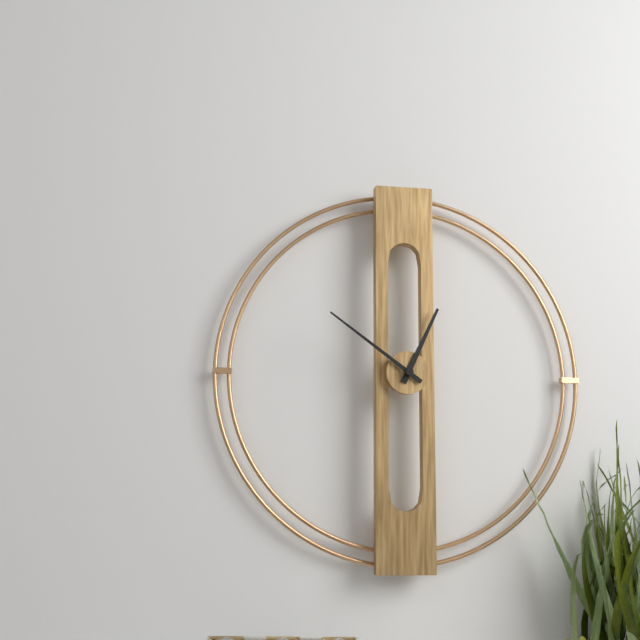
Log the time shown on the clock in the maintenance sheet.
12:51
